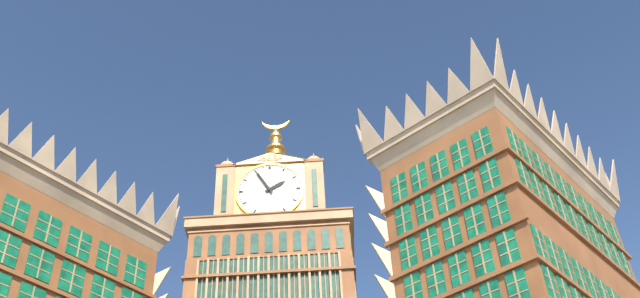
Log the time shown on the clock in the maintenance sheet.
1:55
